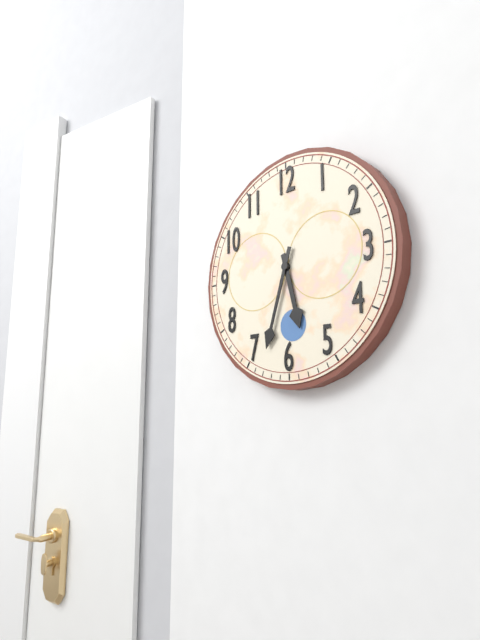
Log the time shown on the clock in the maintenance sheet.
5:33
